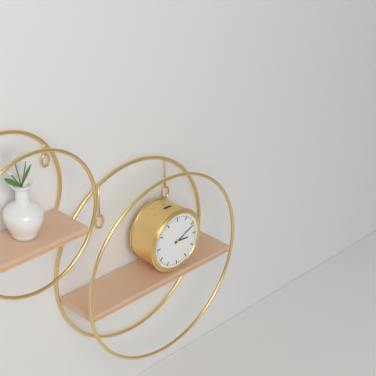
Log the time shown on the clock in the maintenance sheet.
3:11
